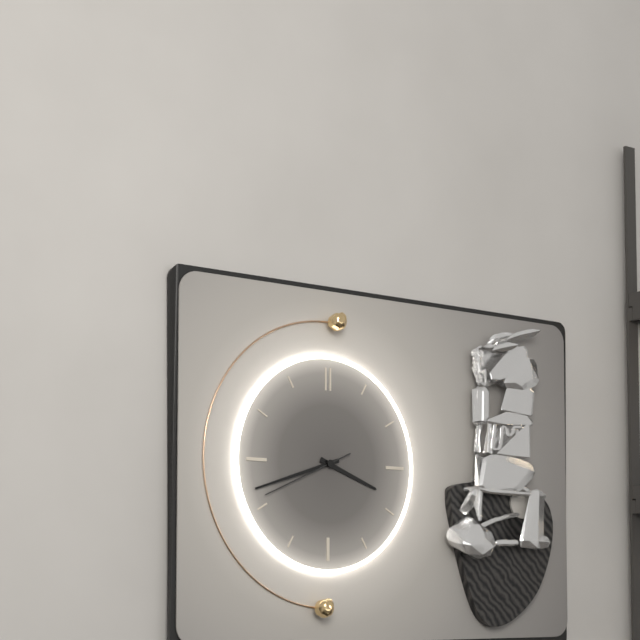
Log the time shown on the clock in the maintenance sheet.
3:42:41
